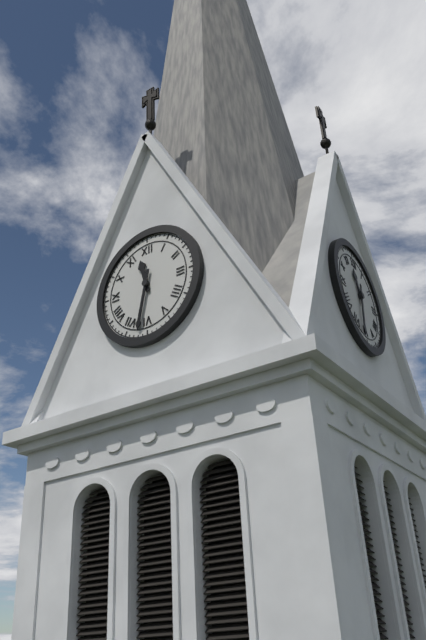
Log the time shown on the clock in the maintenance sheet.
11:32
